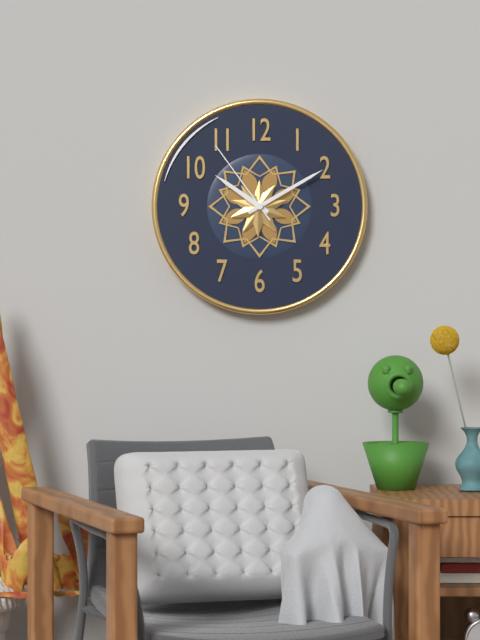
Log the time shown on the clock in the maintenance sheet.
10:10:54
